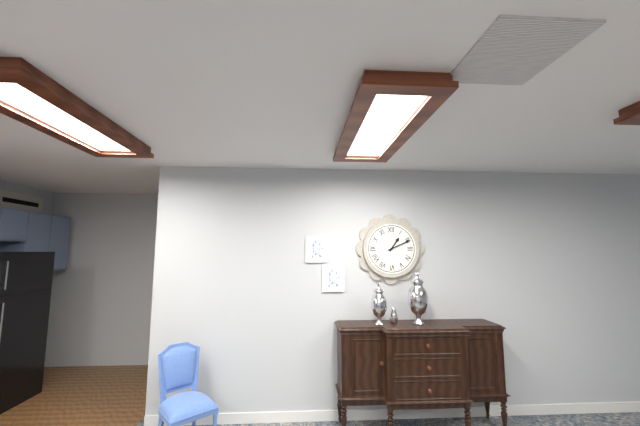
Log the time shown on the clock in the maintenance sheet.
1:11
